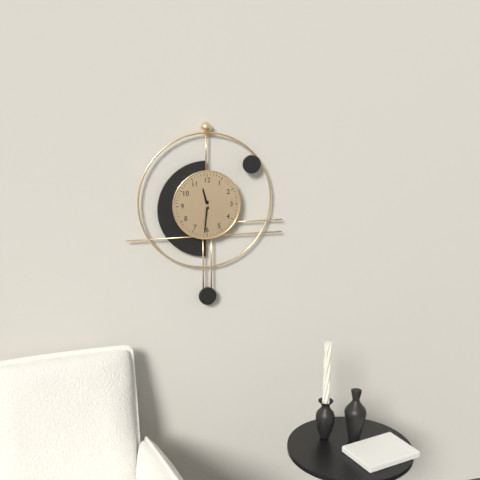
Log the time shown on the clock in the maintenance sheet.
11:31
